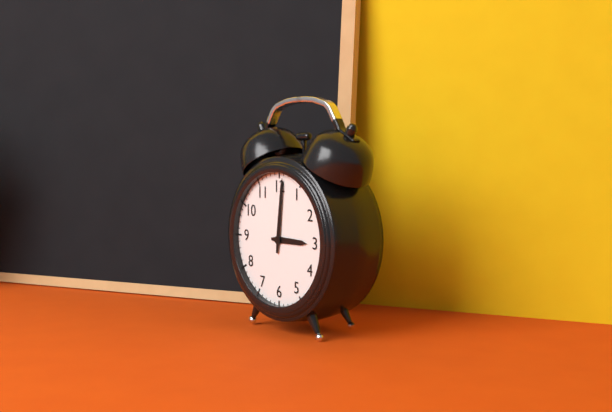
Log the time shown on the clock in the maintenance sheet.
3:01
